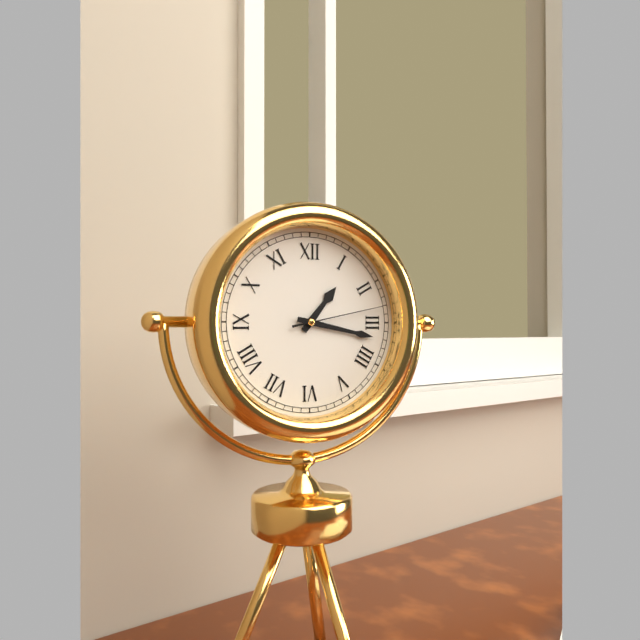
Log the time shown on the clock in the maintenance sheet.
1:17:13
